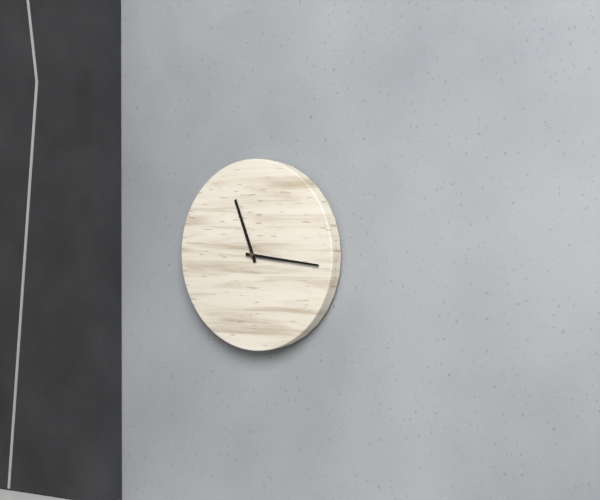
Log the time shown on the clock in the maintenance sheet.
11:16
